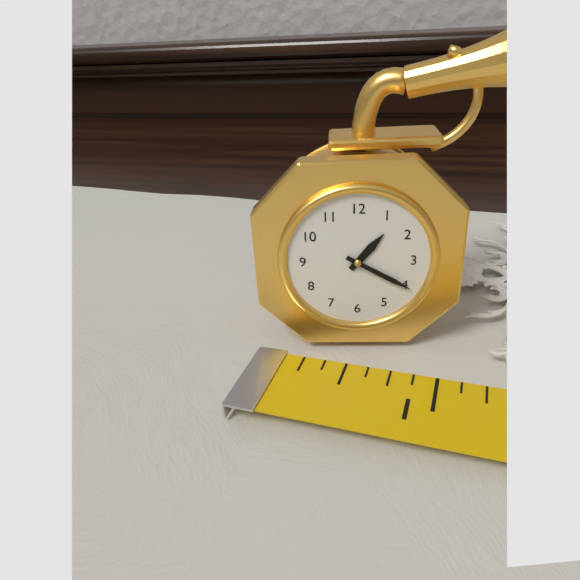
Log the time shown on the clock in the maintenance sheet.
1:20
